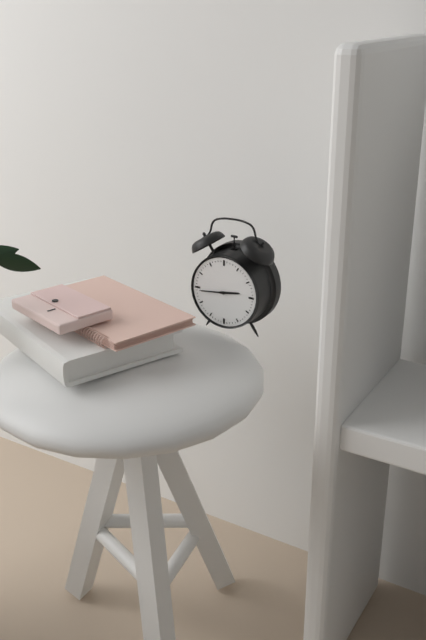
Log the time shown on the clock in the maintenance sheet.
2:44
